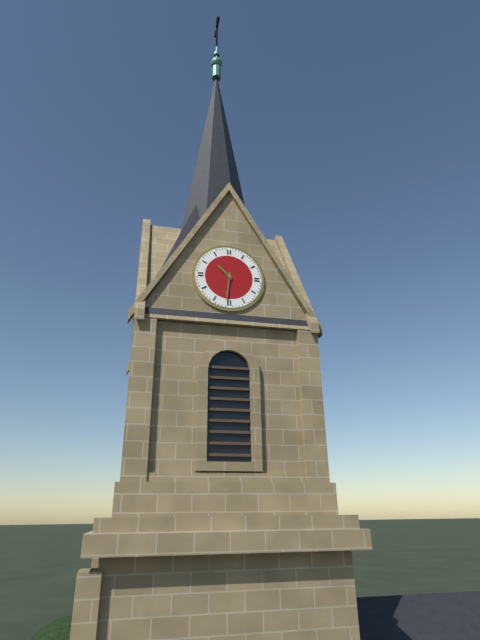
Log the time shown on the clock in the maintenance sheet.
10:31
